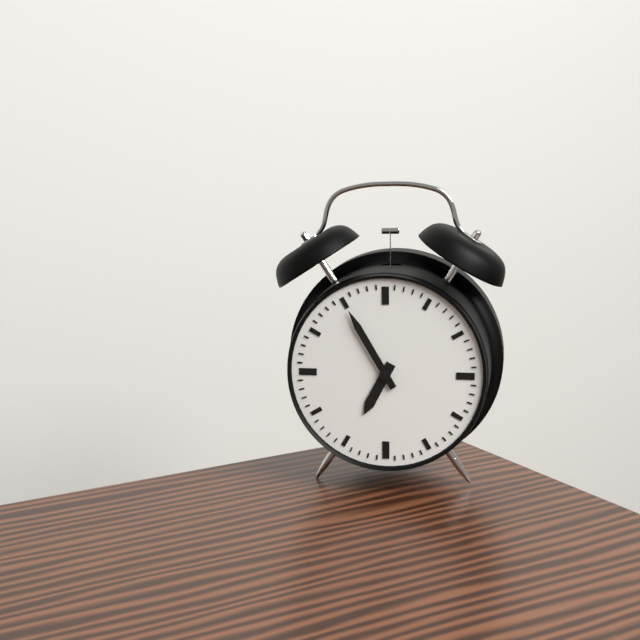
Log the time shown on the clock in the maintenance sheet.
6:55
